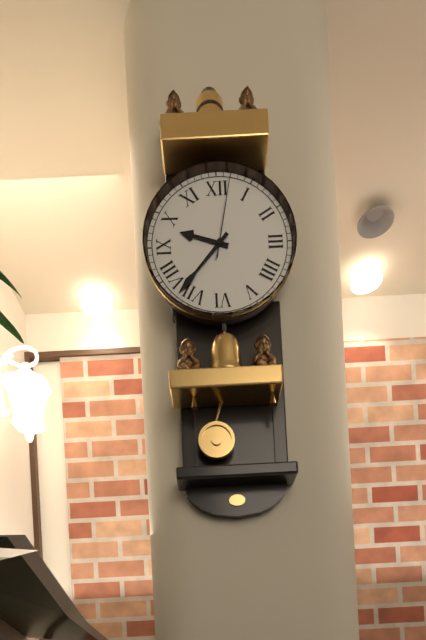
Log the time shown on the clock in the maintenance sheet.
9:37:02
